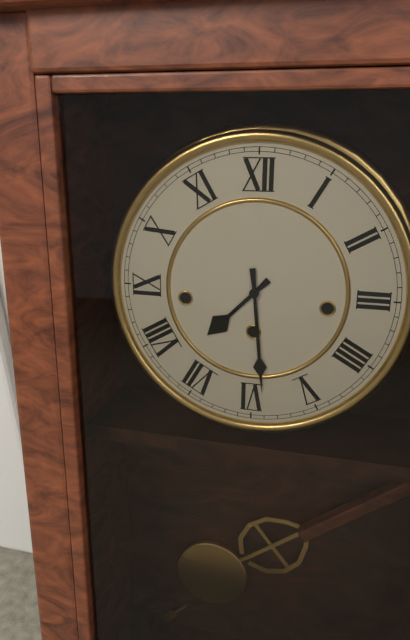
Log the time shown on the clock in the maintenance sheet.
7:29
